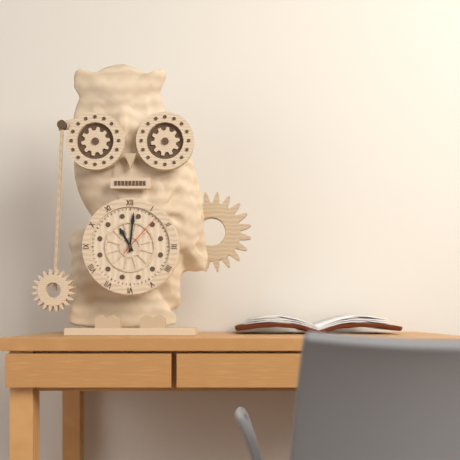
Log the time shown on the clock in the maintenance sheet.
11:01
